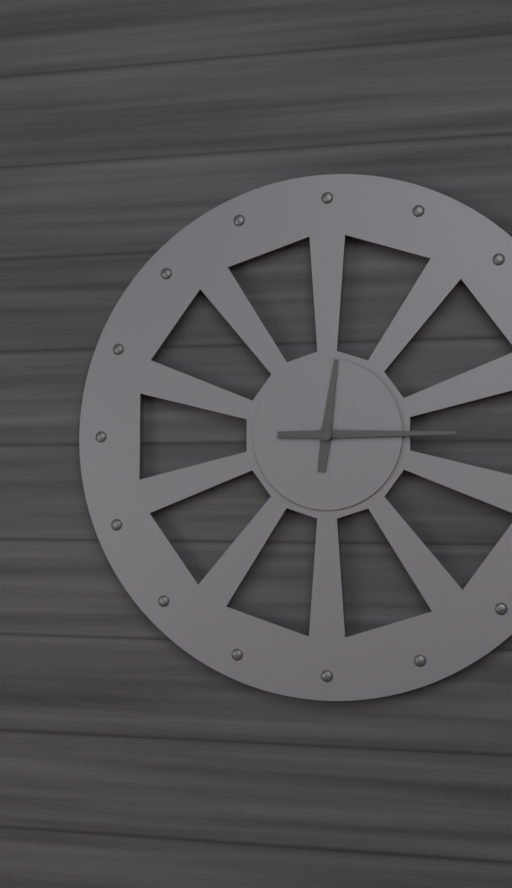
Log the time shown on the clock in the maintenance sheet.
12:15
